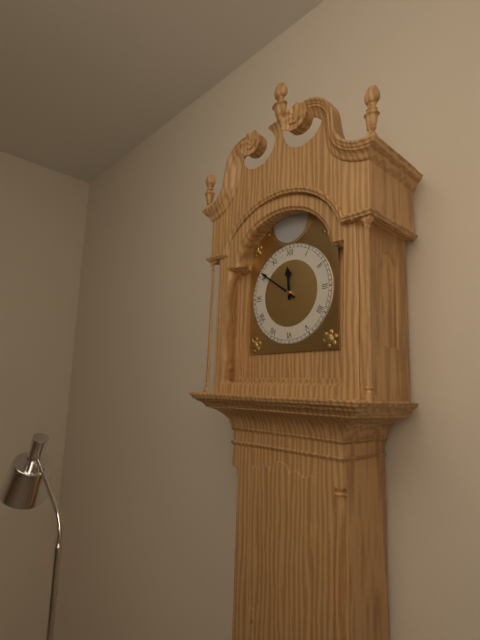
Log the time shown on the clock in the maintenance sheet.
11:51
